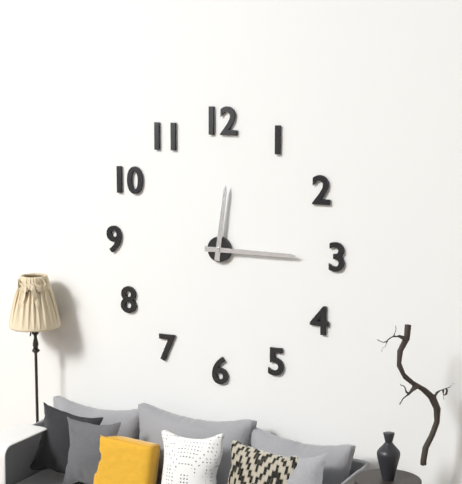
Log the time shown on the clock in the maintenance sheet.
12:15
